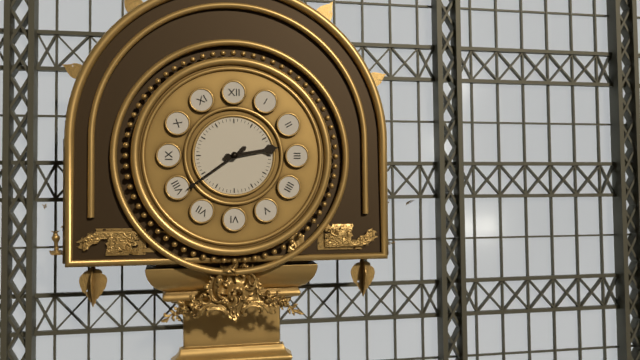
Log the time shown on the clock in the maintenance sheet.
2:39
